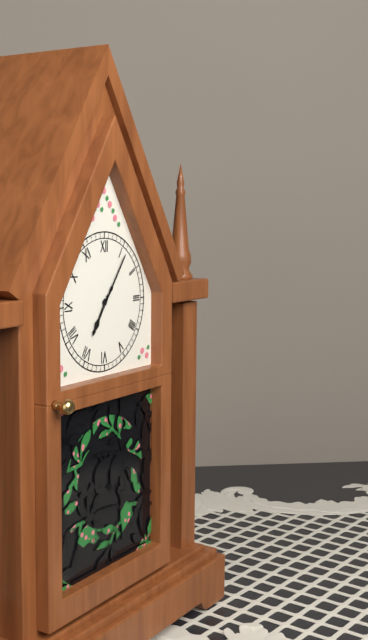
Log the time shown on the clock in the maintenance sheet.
7:06
